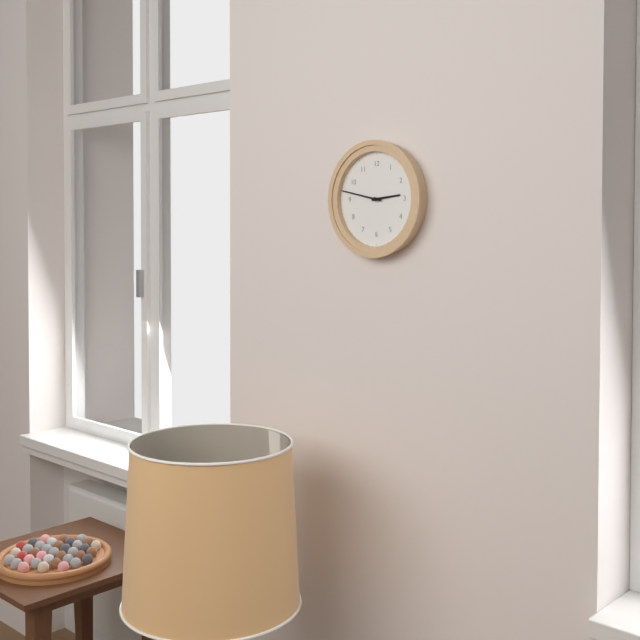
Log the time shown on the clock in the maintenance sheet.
2:47
